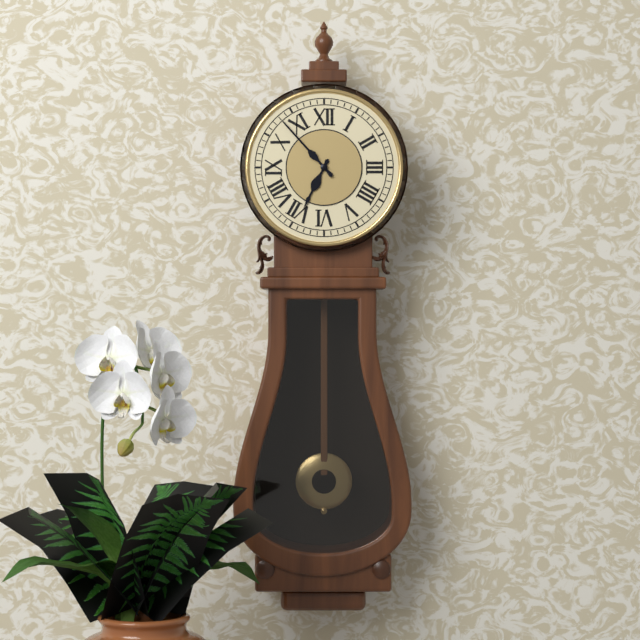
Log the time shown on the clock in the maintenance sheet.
6:53
